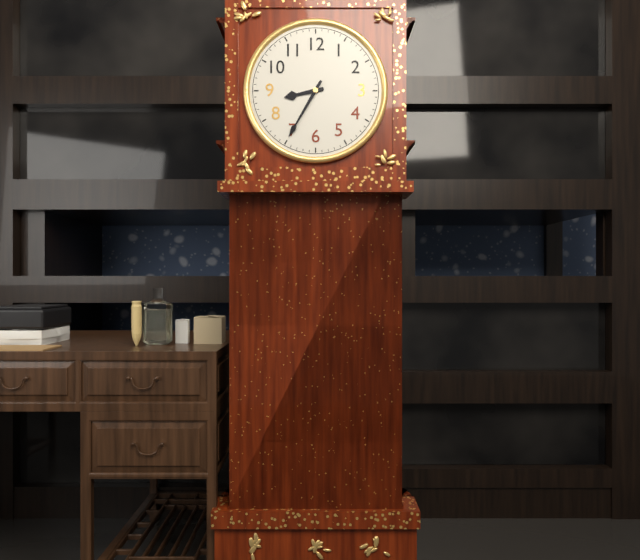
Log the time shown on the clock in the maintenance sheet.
8:35
